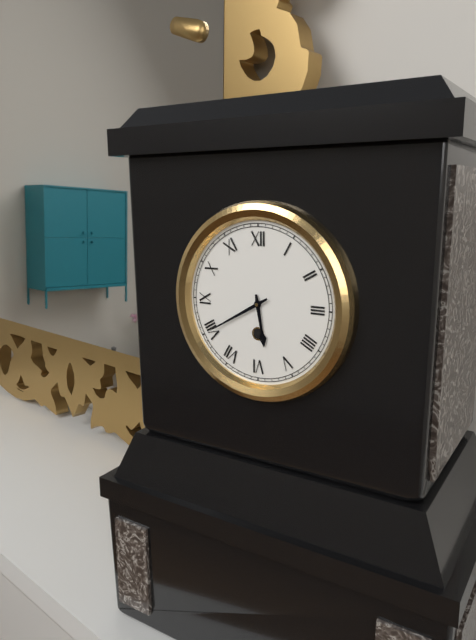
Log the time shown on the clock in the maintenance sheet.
5:40
